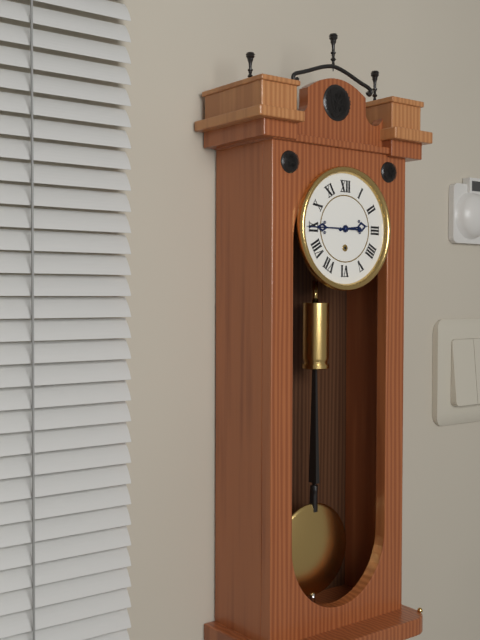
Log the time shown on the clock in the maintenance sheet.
2:45
